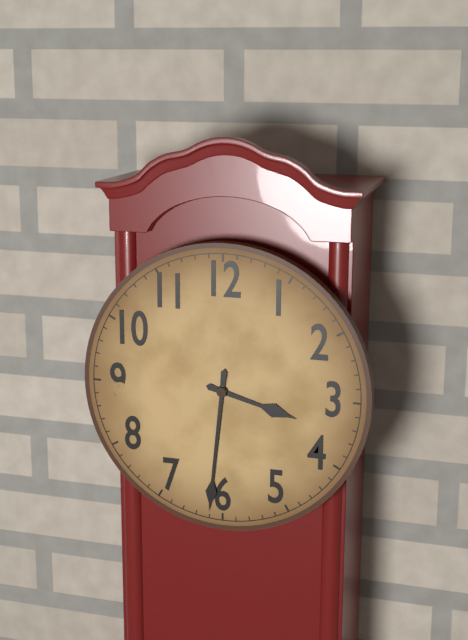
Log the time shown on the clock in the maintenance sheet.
3:31
